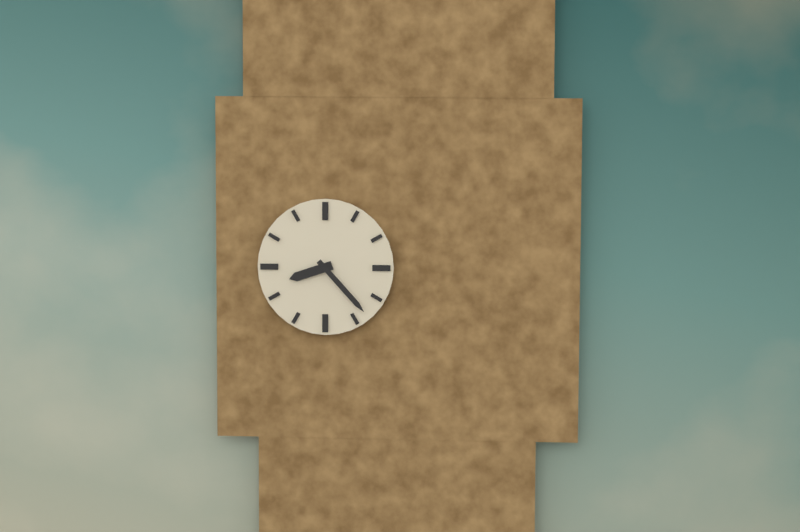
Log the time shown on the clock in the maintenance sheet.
8:23
